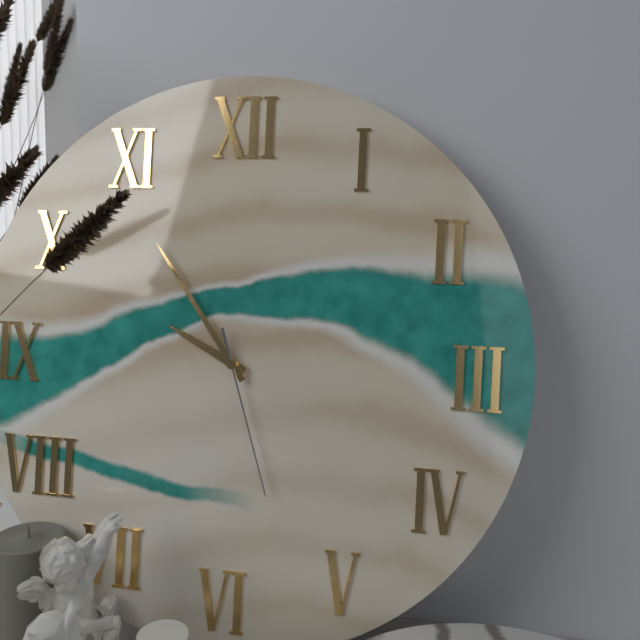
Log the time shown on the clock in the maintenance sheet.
9:54:27
